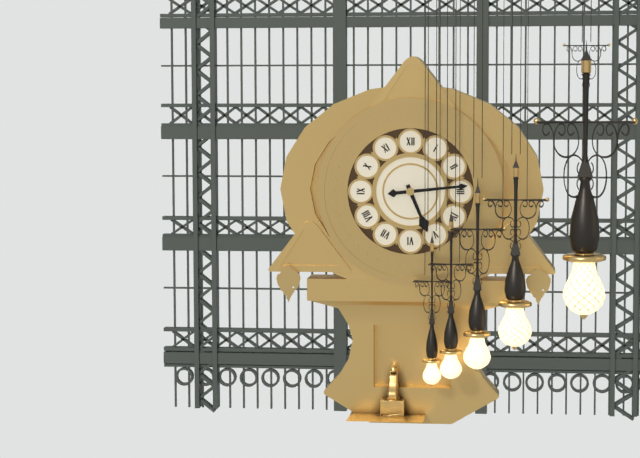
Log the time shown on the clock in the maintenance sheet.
5:14
